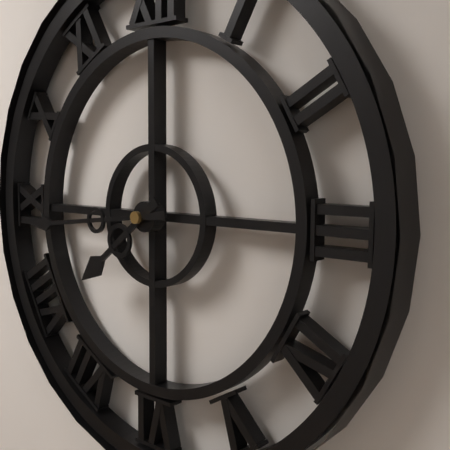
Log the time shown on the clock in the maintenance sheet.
7:44
